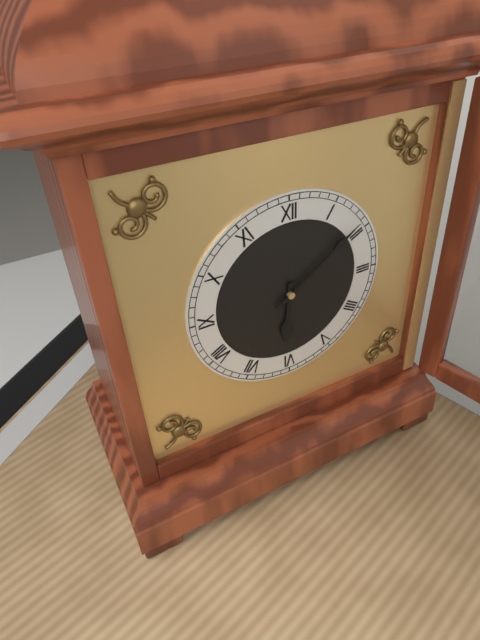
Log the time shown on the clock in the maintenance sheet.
6:09
